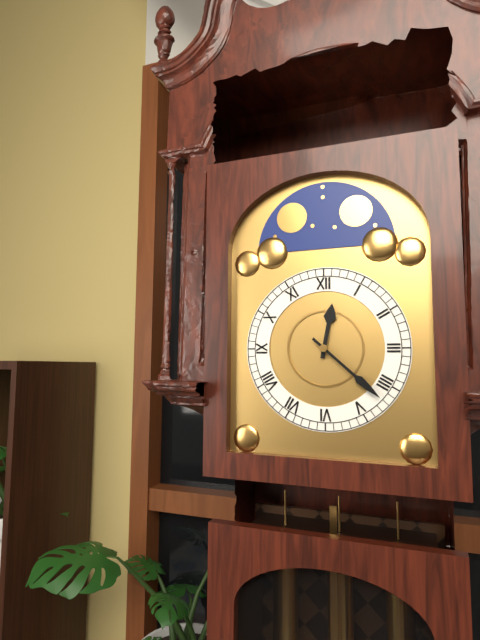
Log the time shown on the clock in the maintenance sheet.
12:22
